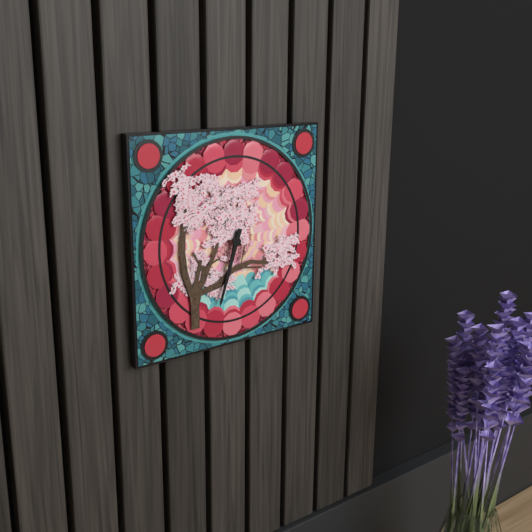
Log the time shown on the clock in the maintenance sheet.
6:33
